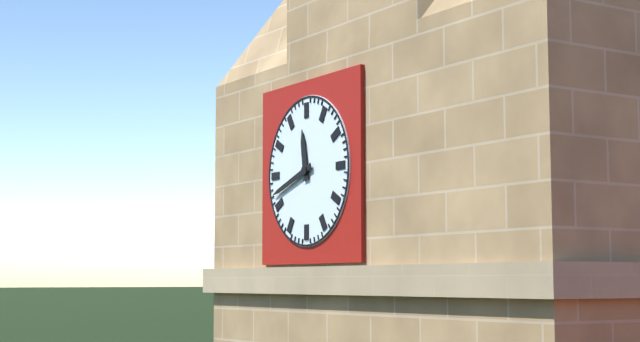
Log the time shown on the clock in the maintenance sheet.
11:42
